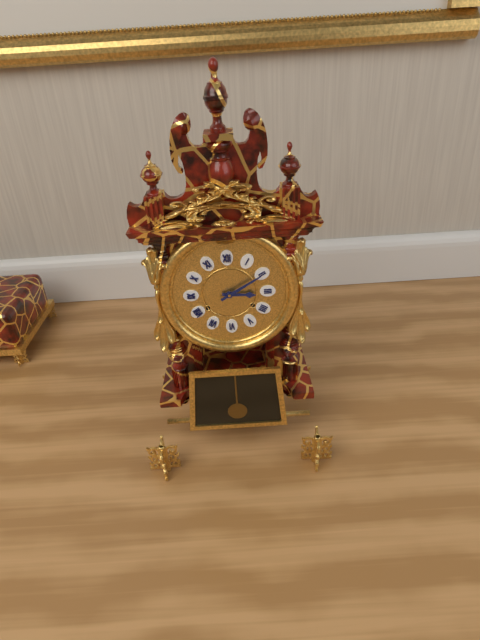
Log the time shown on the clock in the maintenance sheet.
3:10
